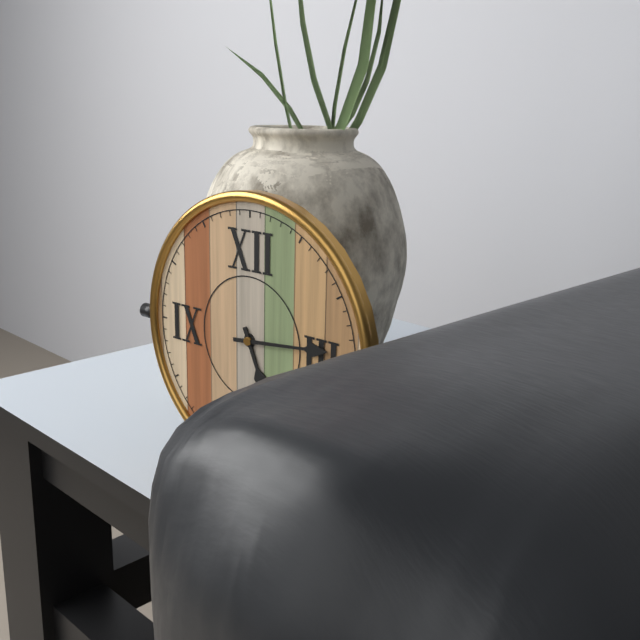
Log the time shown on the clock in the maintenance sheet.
5:14
